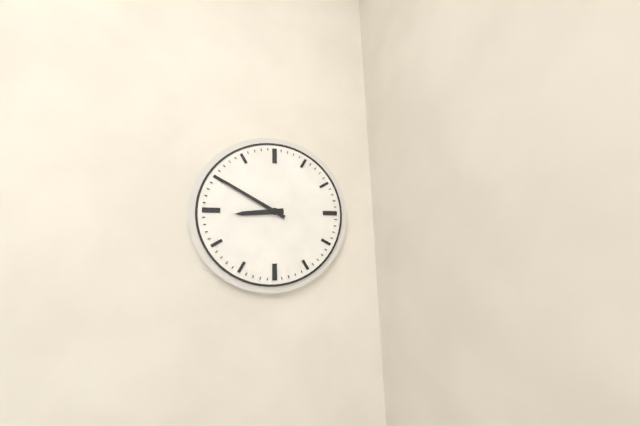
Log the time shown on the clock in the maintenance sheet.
8:50
